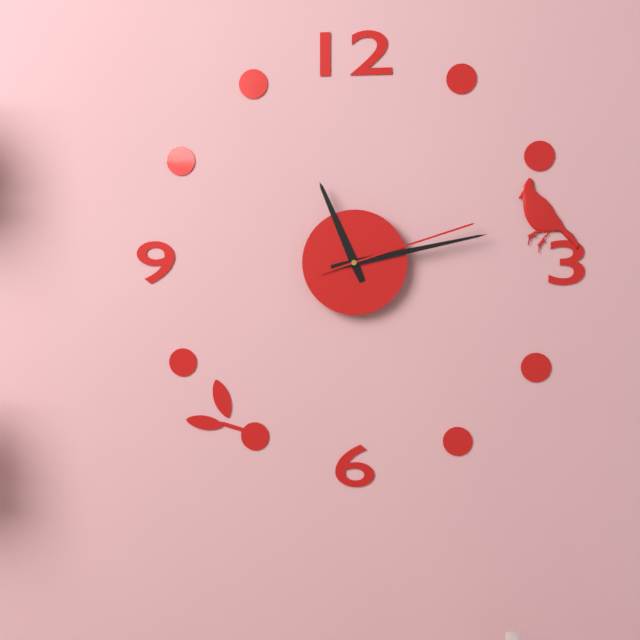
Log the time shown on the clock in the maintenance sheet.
11:13:12
